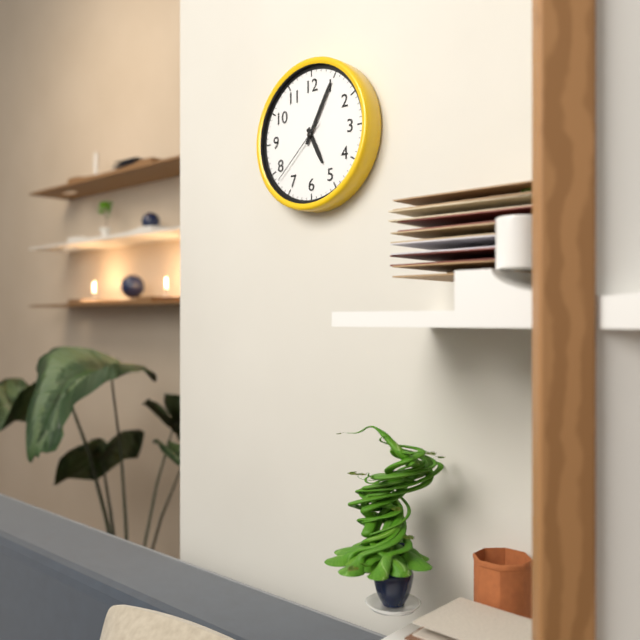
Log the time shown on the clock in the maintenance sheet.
5:05:38
